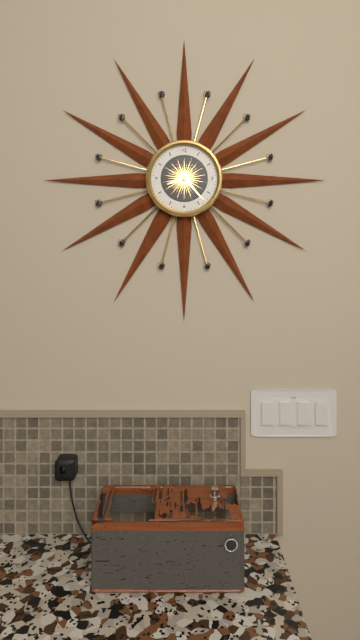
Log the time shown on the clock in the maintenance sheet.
8:23
